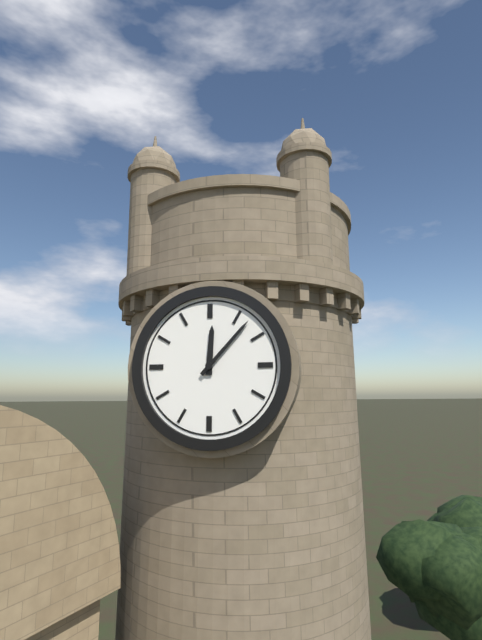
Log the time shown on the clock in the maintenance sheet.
12:07
